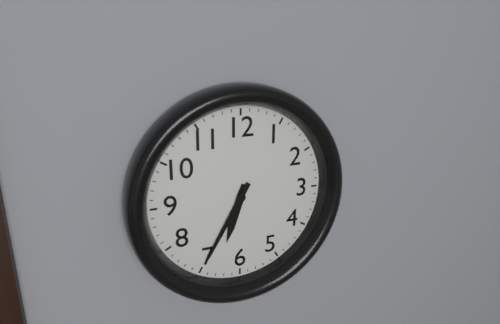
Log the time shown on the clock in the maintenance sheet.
6:35
